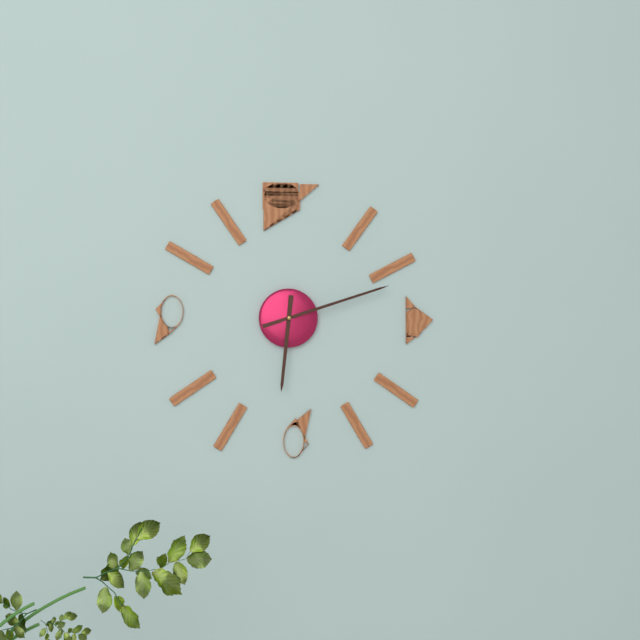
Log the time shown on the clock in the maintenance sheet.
6:12
